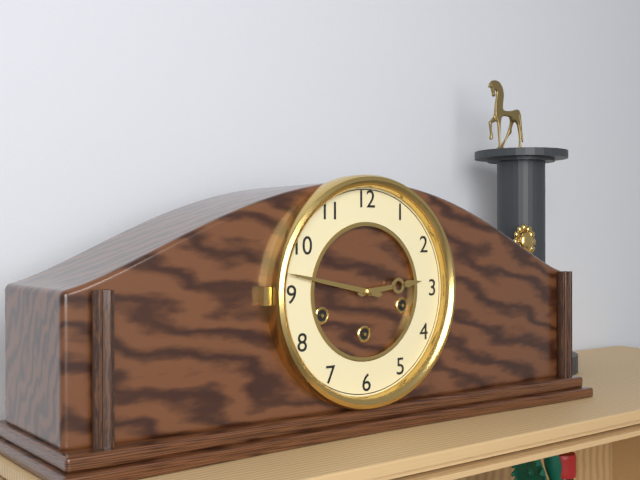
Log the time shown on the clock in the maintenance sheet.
2:47
